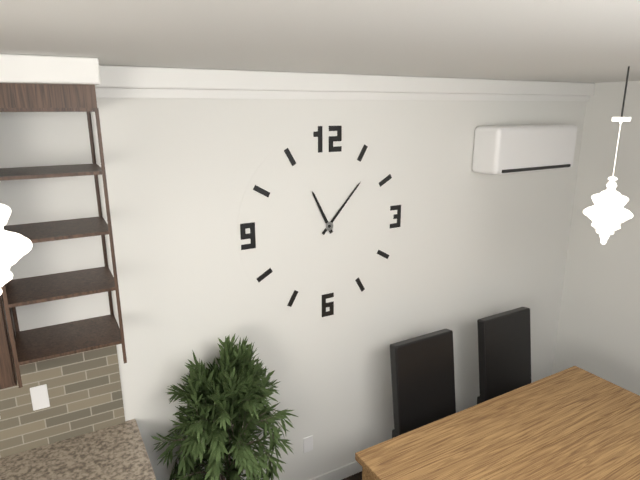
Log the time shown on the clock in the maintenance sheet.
11:07
